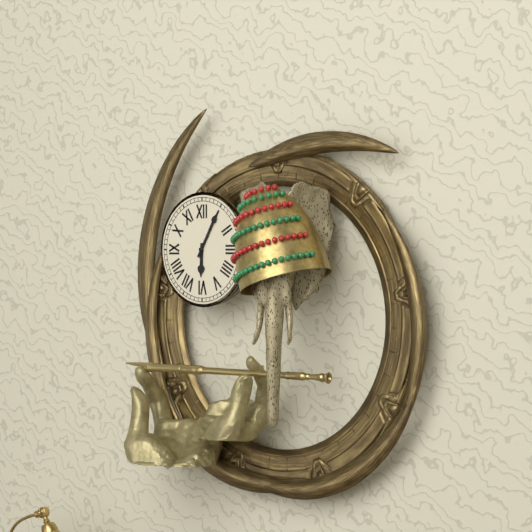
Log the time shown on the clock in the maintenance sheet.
6:05
